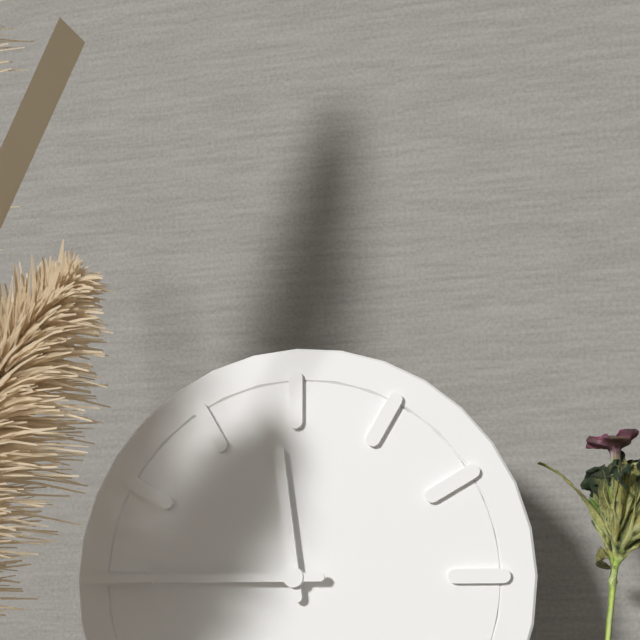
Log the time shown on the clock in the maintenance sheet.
11:45
